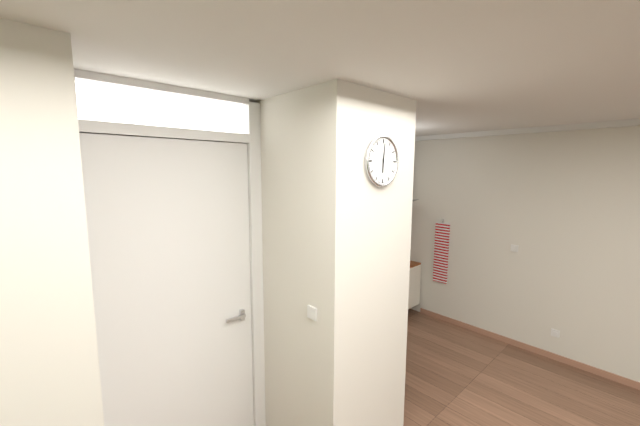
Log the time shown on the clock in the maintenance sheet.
6:01
